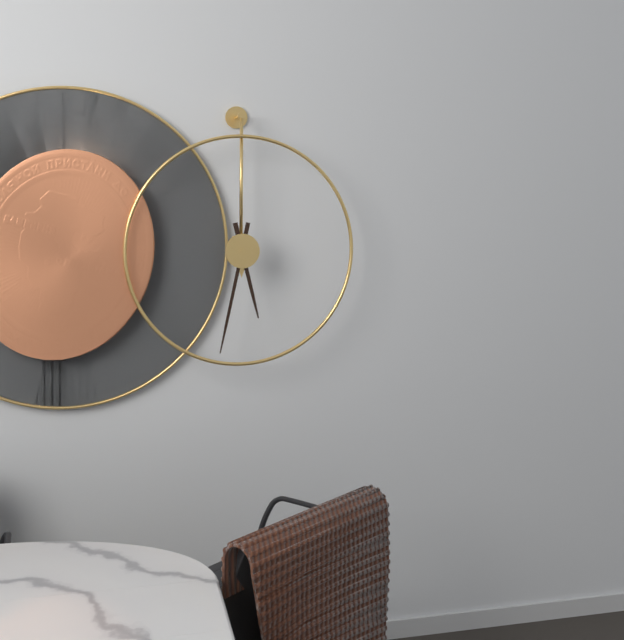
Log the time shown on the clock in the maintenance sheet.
5:32
